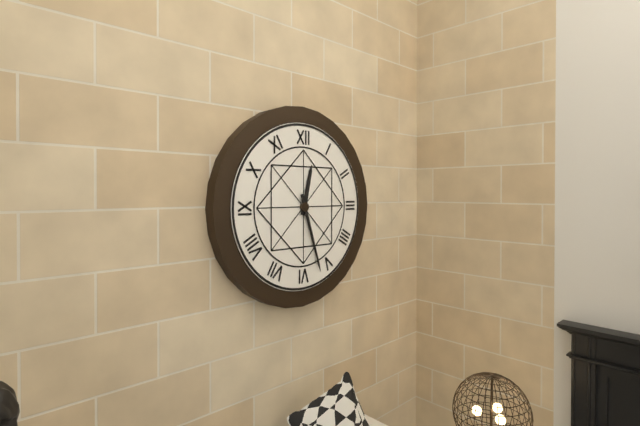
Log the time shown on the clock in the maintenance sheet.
12:27
